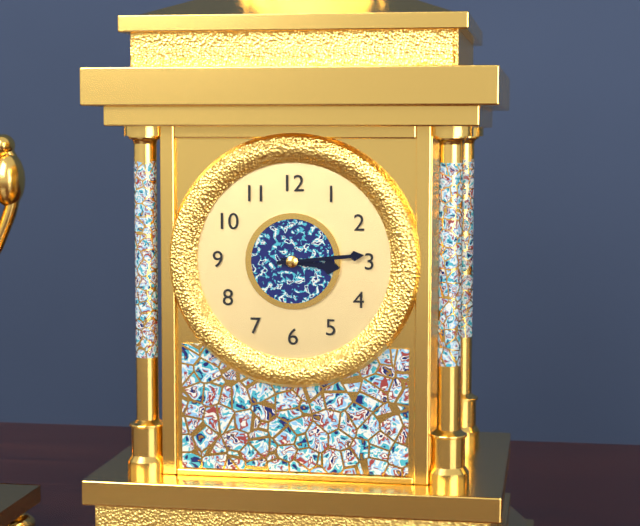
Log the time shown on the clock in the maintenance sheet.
3:14
